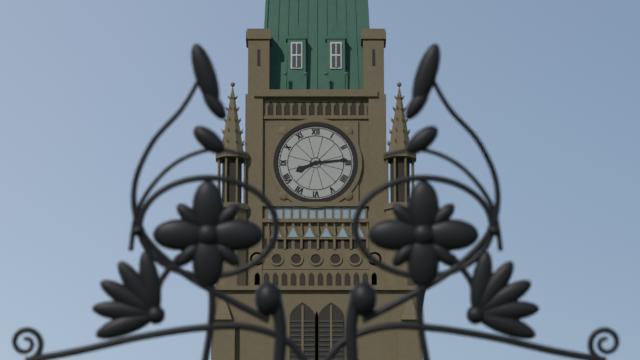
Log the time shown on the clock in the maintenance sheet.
8:14
